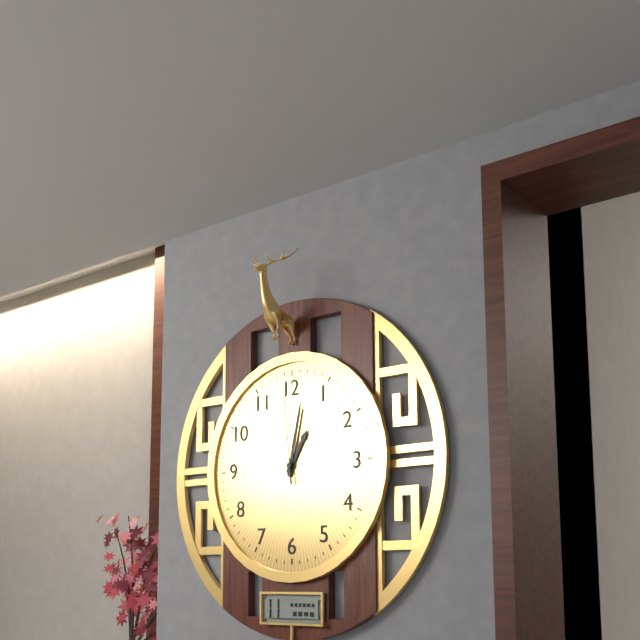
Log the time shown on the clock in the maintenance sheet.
1:02:59
